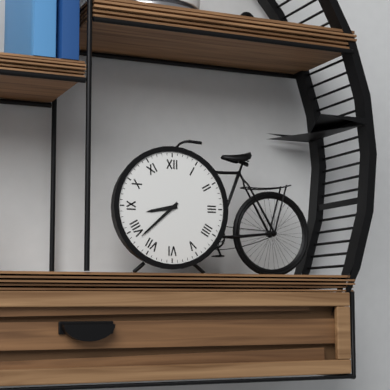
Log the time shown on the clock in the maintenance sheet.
8:38
